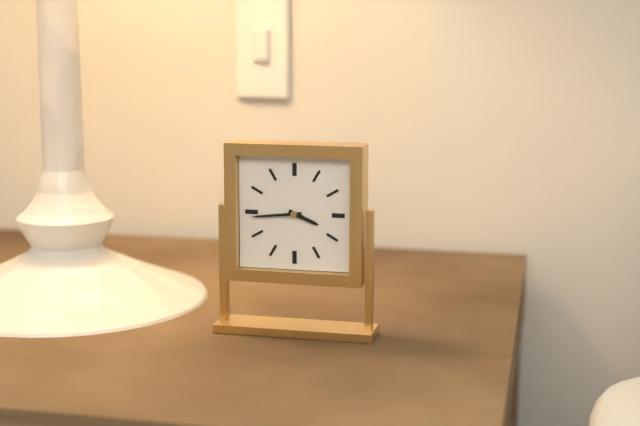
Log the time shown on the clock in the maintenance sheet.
3:44
